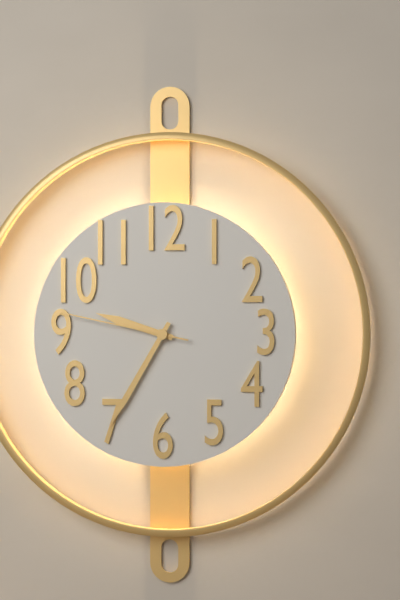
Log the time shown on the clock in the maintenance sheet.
9:35:47
